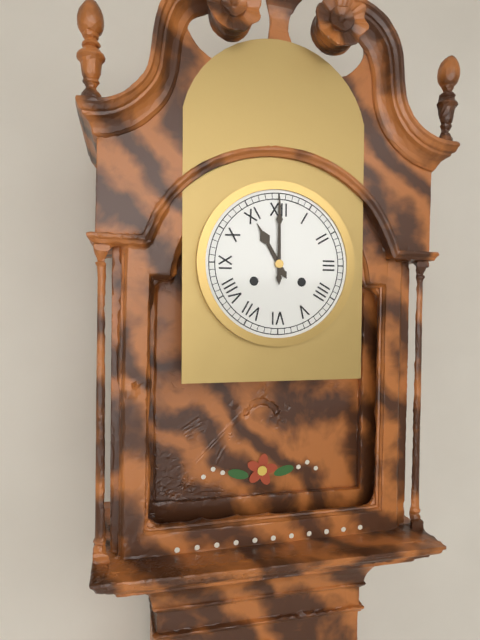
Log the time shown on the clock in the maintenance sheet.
11:00
